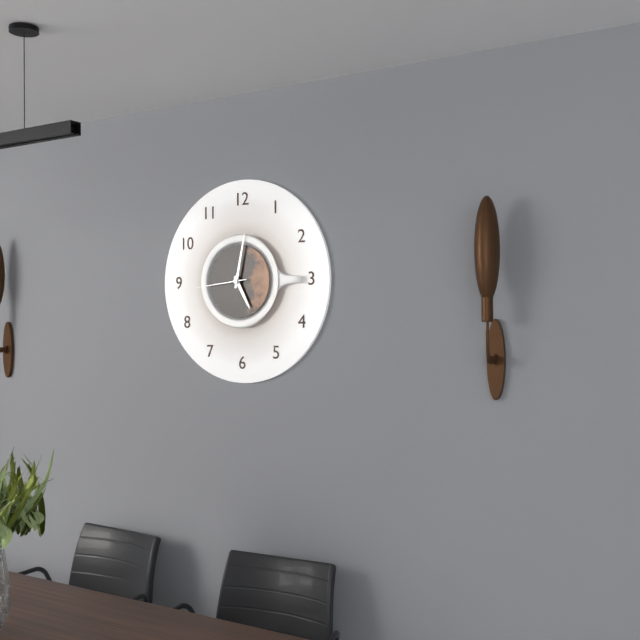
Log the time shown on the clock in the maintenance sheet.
5:02:44
